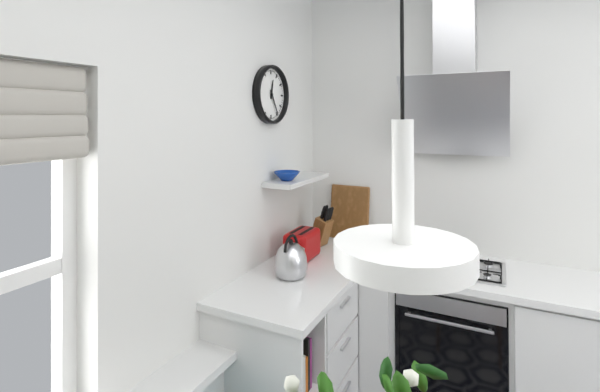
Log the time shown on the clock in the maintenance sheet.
12:25
